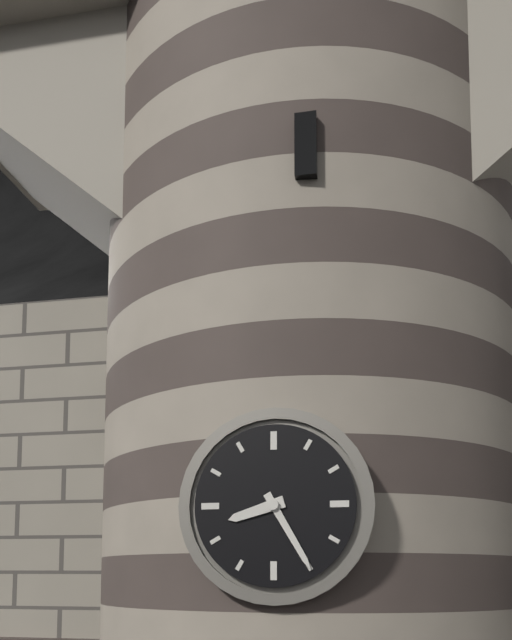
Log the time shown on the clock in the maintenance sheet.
8:25
